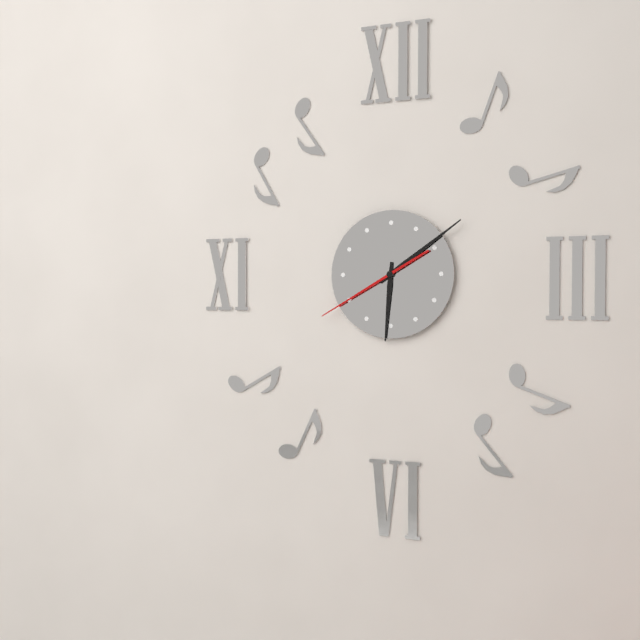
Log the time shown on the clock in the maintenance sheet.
6:09:40
